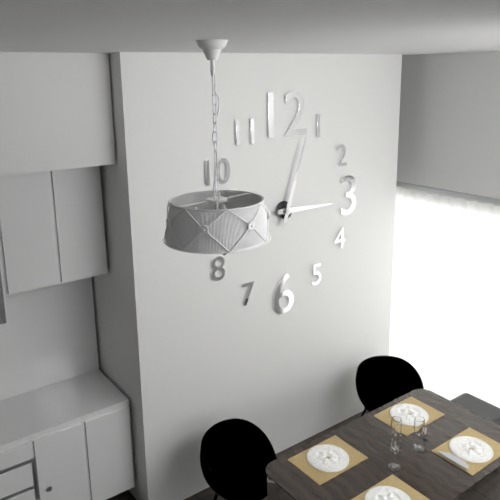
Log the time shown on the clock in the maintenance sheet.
3:03
